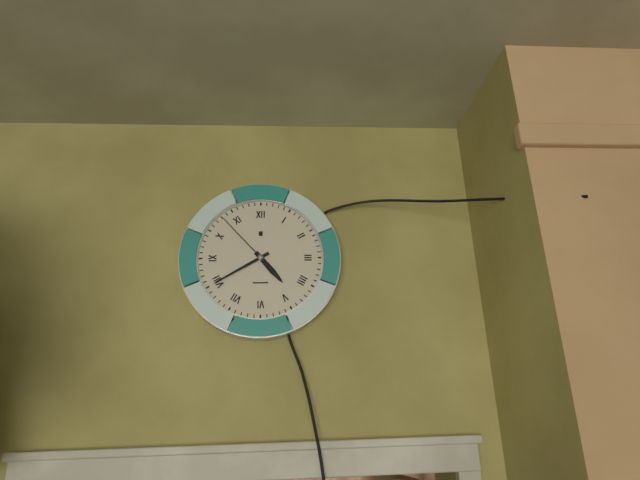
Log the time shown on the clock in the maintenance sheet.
4:40:53
